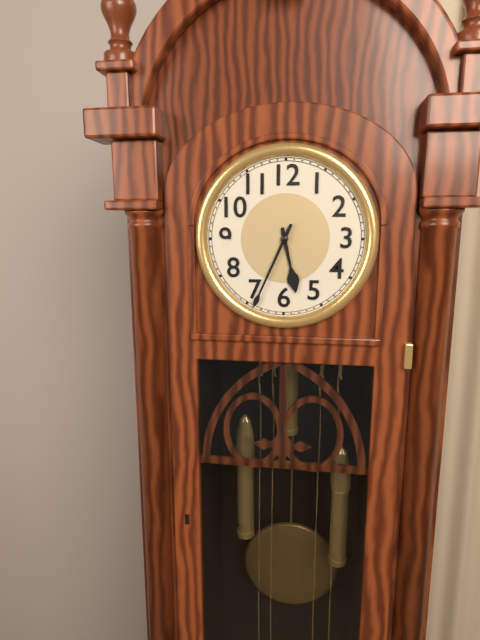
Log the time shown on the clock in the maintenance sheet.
5:34
